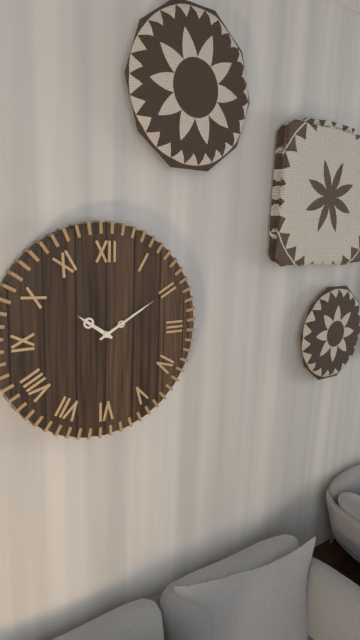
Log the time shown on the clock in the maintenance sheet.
10:10
